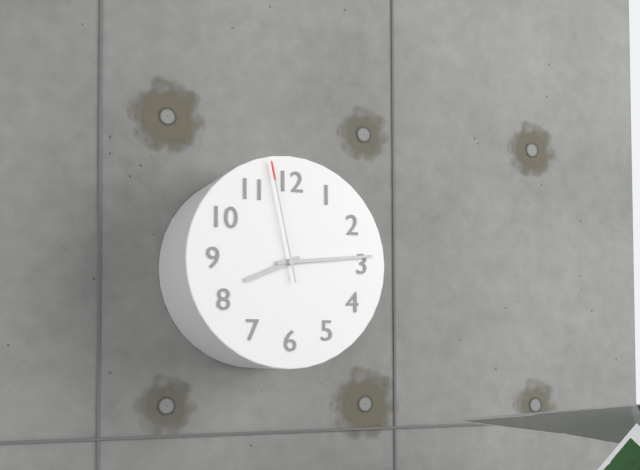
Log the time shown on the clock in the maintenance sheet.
8:14:58
